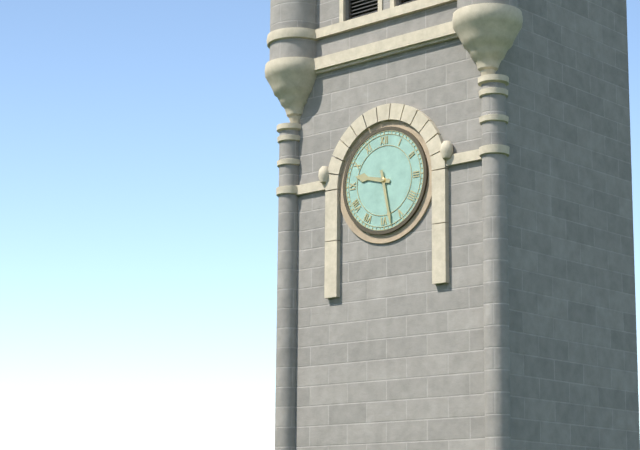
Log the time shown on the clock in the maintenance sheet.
9:28
